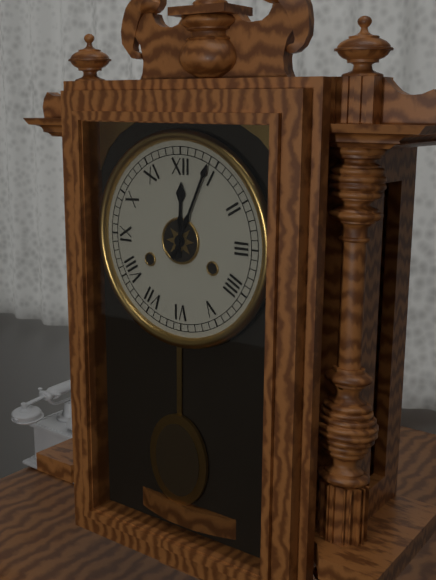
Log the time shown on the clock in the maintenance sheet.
12:04
